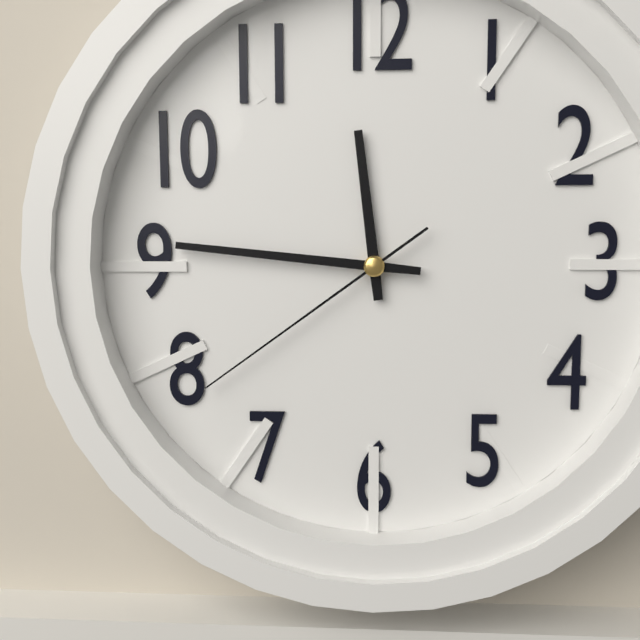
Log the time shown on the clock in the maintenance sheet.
11:46:39
